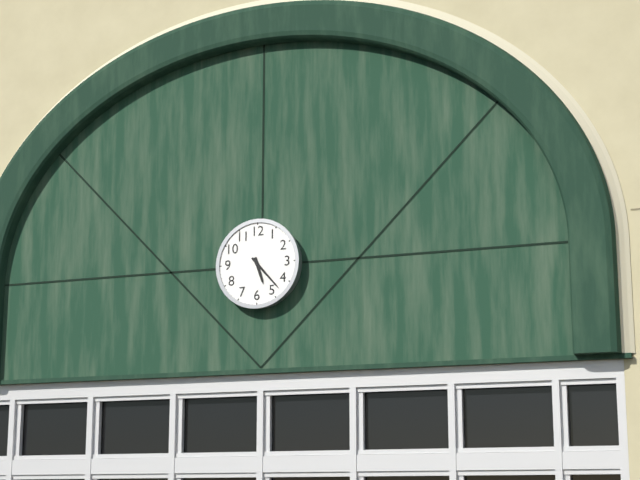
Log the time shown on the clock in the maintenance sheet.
5:23
